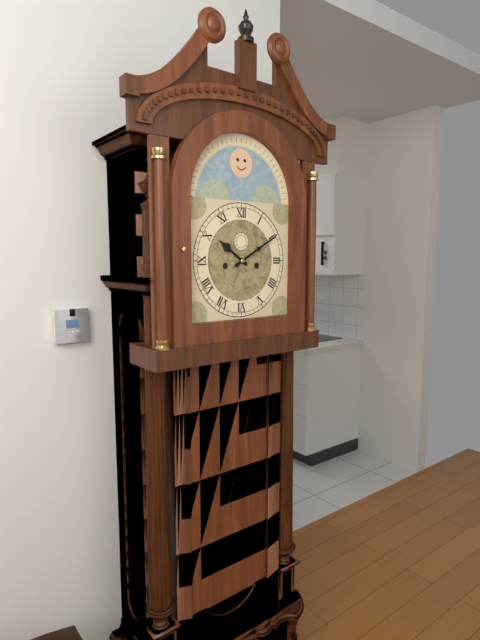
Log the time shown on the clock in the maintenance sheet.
10:10
